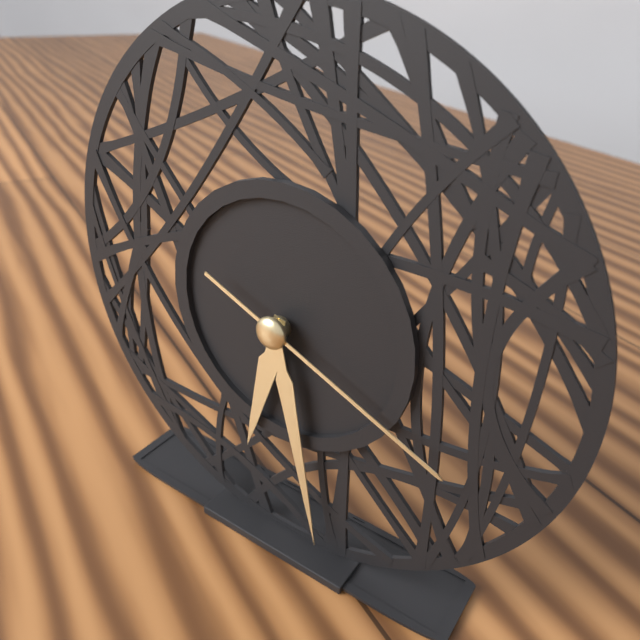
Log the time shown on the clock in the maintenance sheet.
6:28:19
